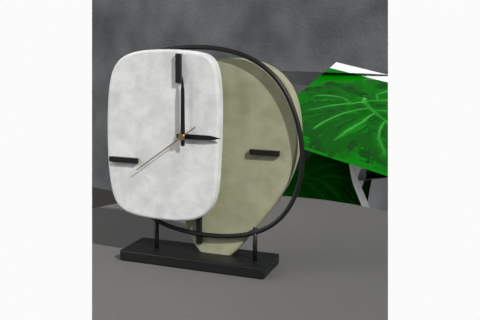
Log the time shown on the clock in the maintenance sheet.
3:00:39
